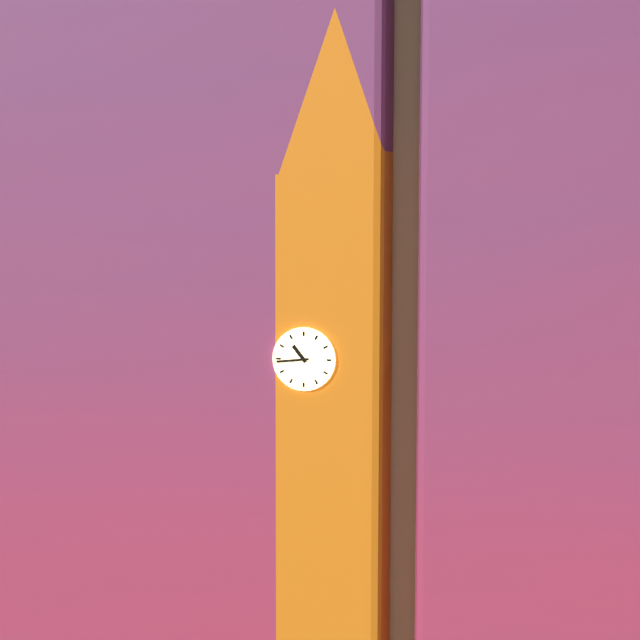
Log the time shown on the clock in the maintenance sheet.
10:44
